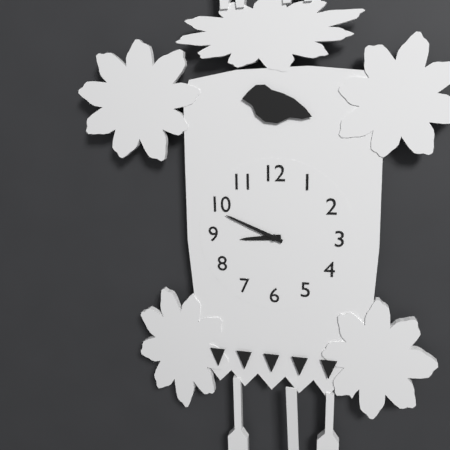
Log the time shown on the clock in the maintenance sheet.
8:49
